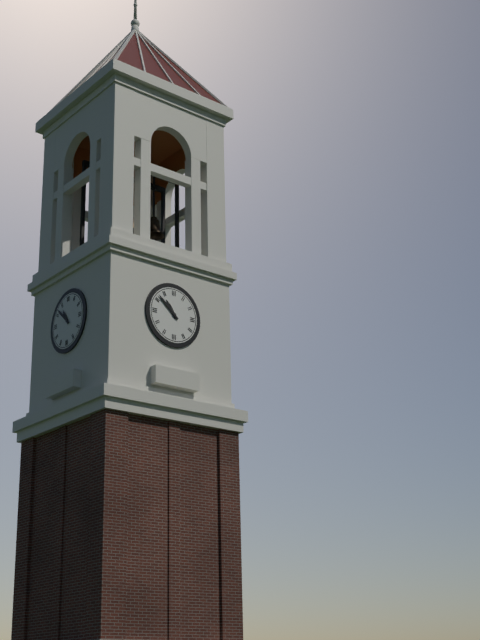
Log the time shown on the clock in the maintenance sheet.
10:52
